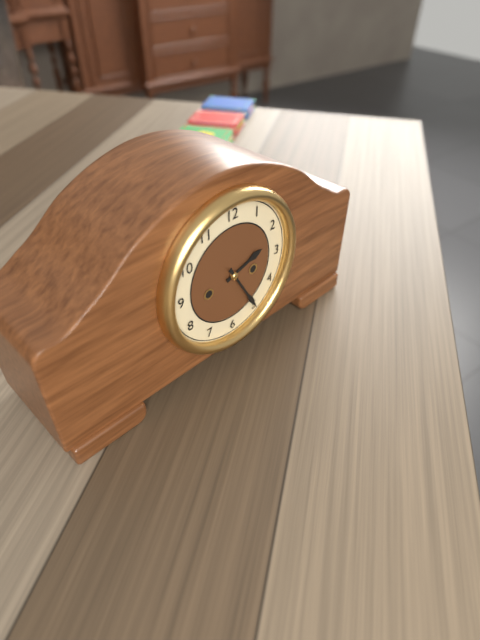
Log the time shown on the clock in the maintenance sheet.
2:25
